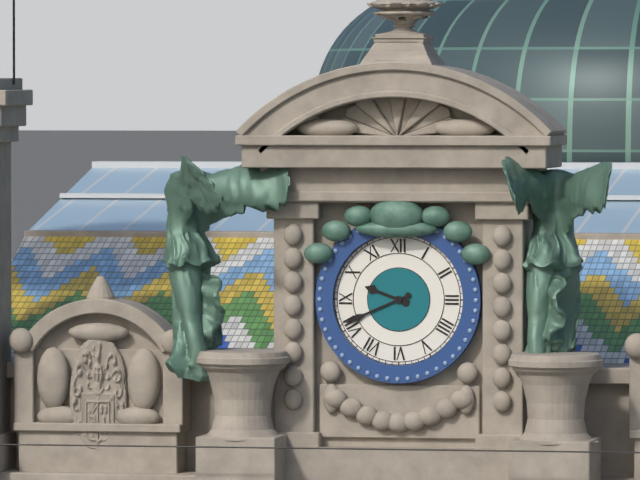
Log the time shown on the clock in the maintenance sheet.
9:41
